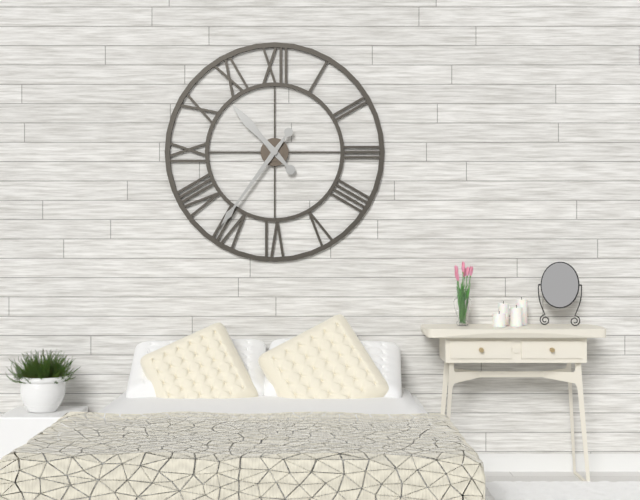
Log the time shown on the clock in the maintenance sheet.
10:36
